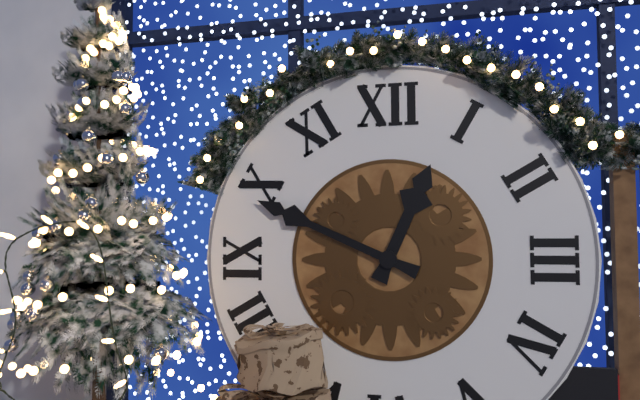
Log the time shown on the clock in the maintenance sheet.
12:49
